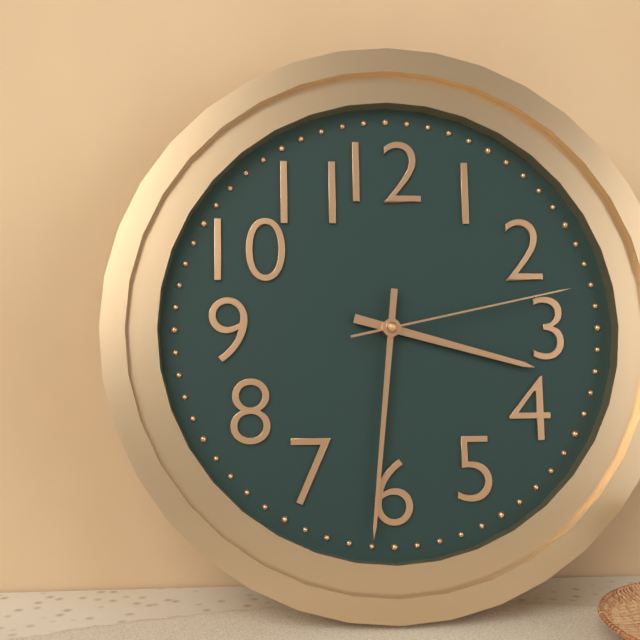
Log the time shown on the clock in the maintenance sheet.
3:31:13
